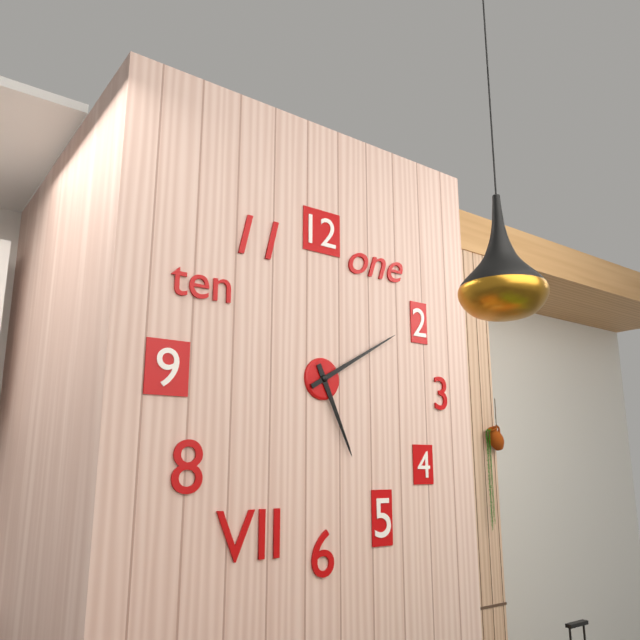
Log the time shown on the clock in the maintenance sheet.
5:10
